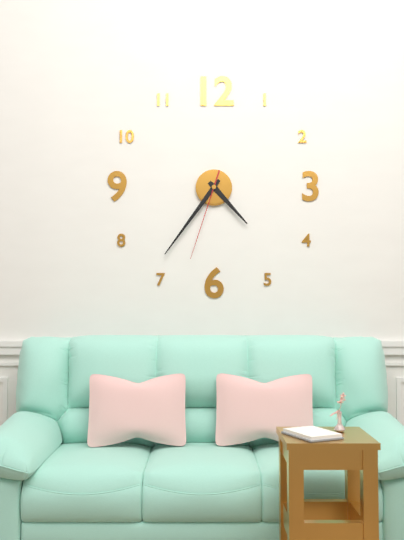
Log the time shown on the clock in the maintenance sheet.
4:36:33
